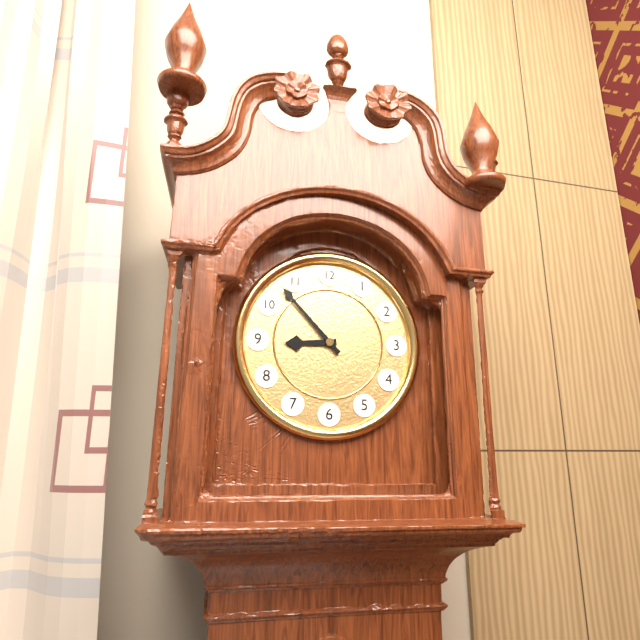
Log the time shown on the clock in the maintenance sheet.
8:53
